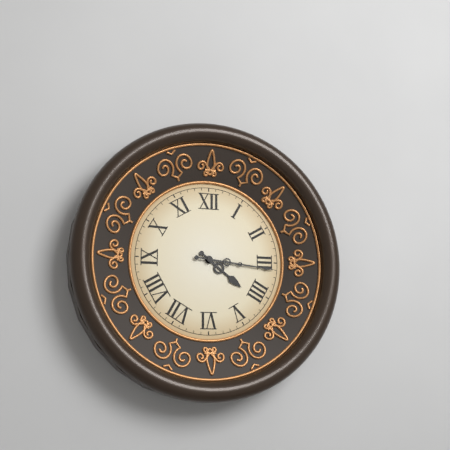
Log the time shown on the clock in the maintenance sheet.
4:16
